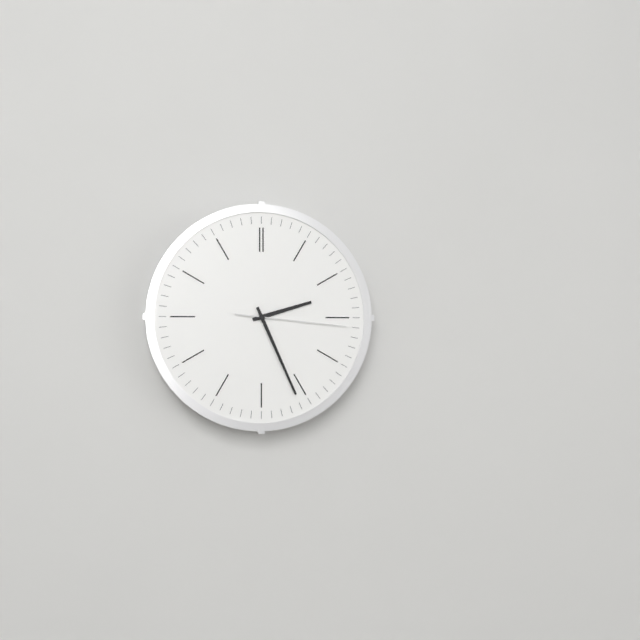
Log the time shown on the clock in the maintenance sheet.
2:26:16
